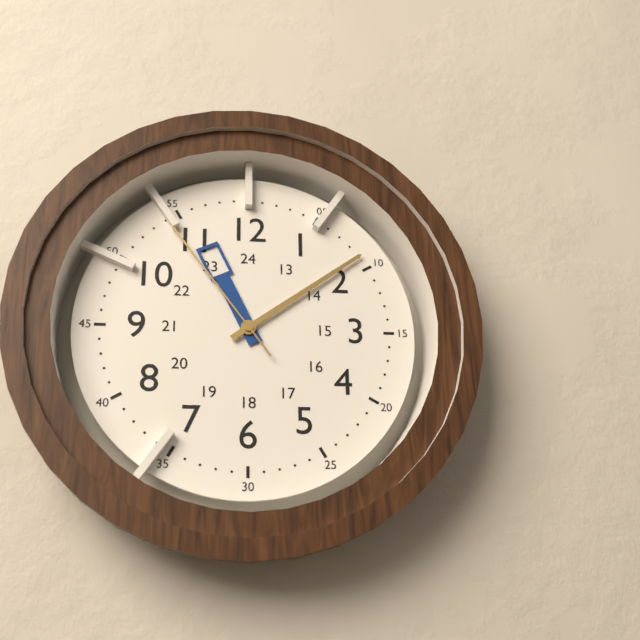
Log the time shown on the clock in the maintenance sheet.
11:09:54
